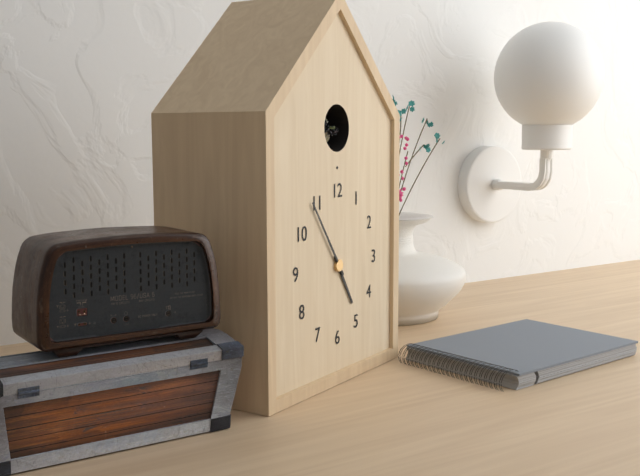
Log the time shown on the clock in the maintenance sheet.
4:54
